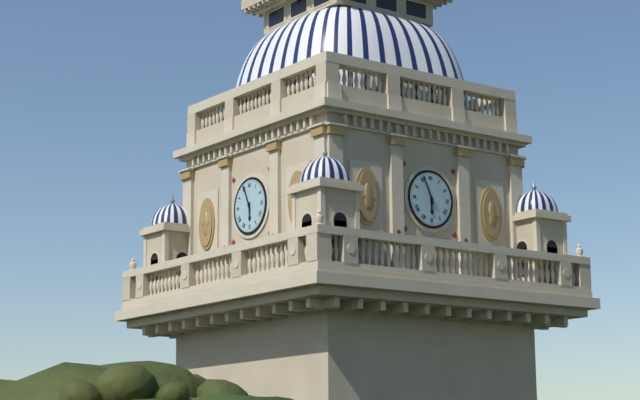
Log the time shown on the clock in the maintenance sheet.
5:56
